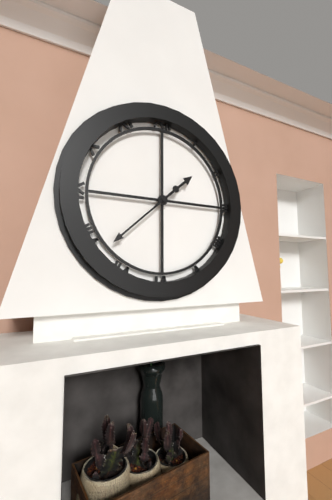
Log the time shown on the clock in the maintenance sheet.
1:38
